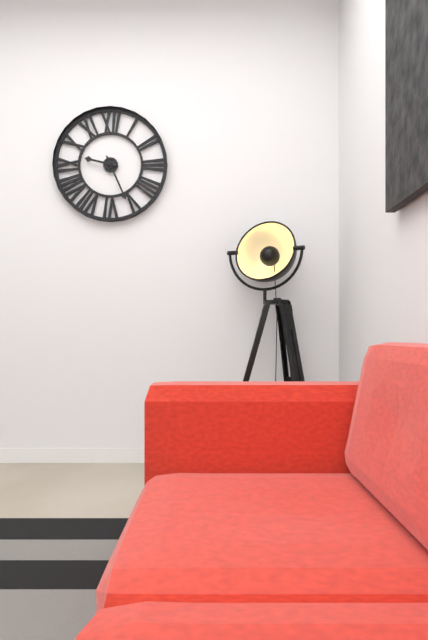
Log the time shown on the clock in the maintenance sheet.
9:26
